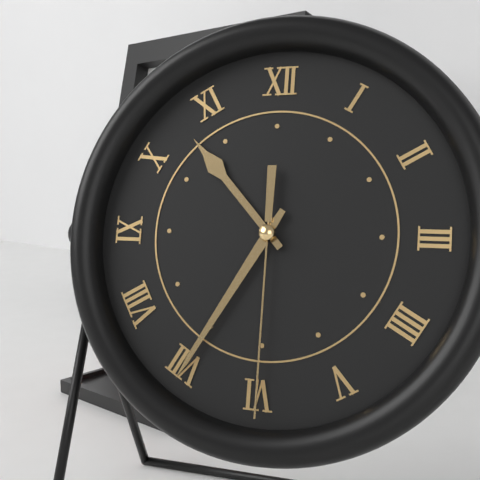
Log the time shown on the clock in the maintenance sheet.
10:35:30
